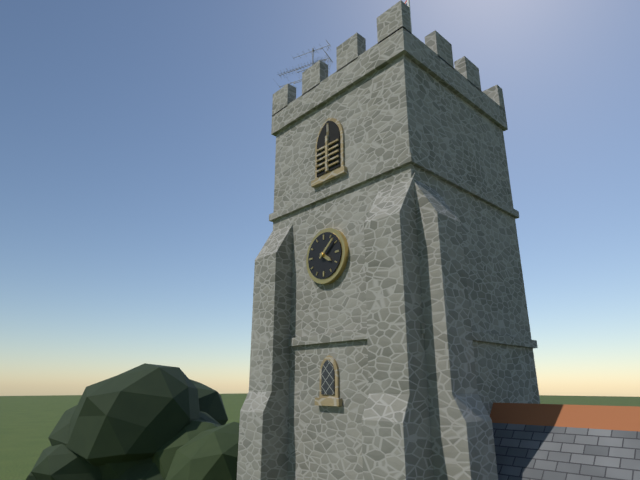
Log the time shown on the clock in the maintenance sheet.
4:08
